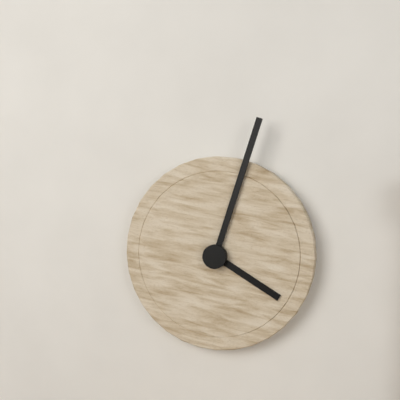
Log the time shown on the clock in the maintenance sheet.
4:03
